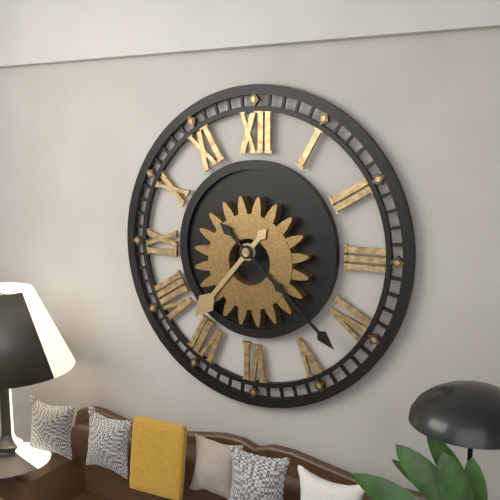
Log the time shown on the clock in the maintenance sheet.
7:22
